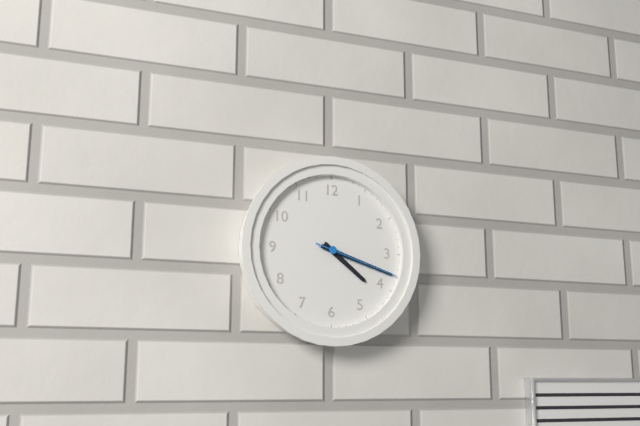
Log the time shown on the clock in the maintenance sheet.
4:18:18
